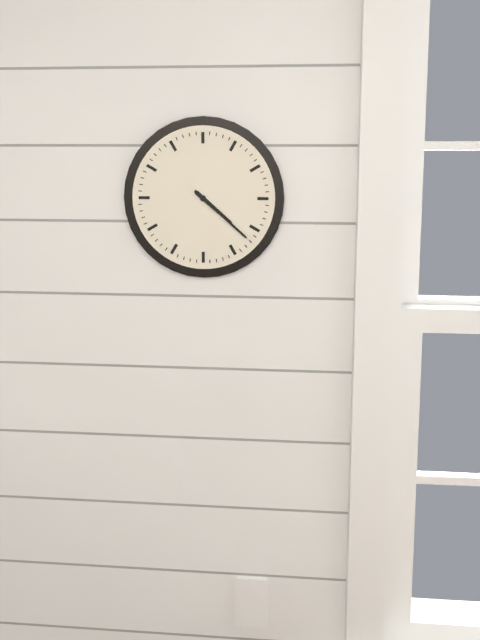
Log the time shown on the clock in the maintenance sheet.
4:22
